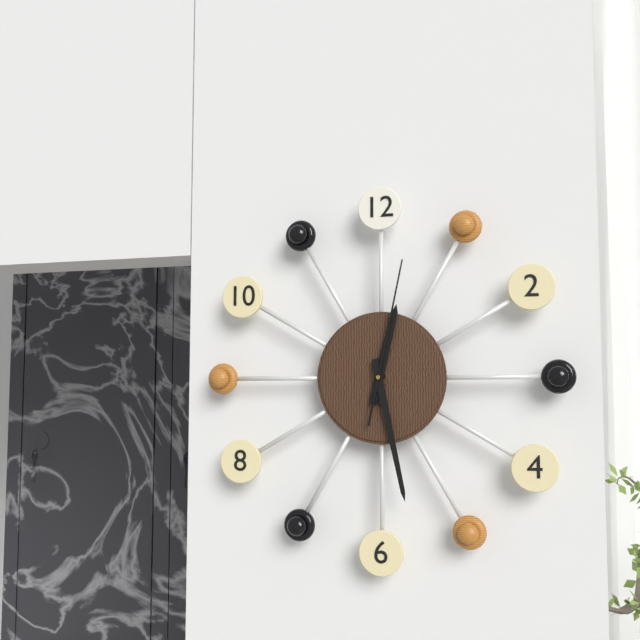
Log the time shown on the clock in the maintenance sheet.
12:28:02
